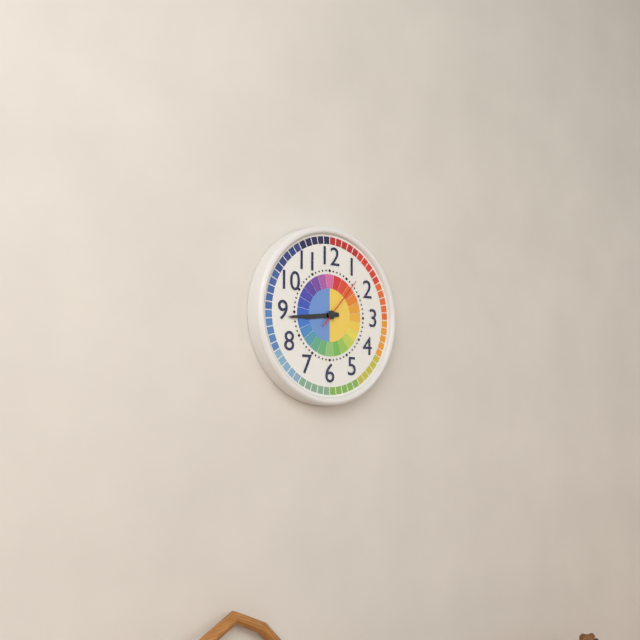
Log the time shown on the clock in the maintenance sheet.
8:44:07
